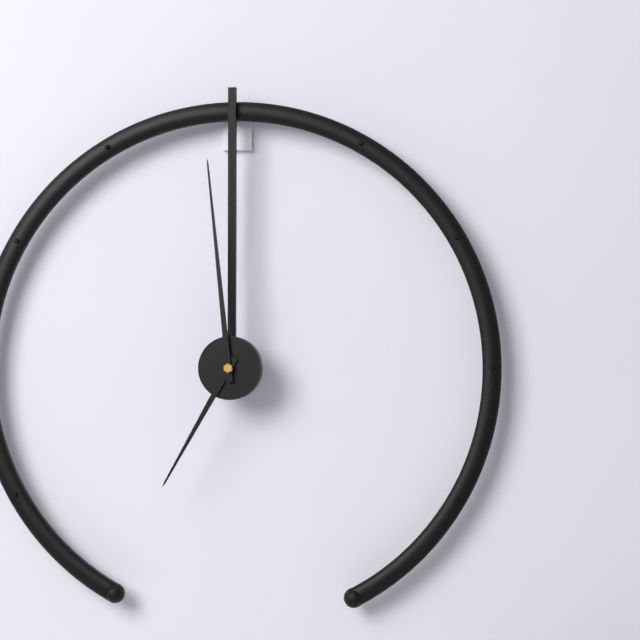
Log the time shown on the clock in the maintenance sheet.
6:59
